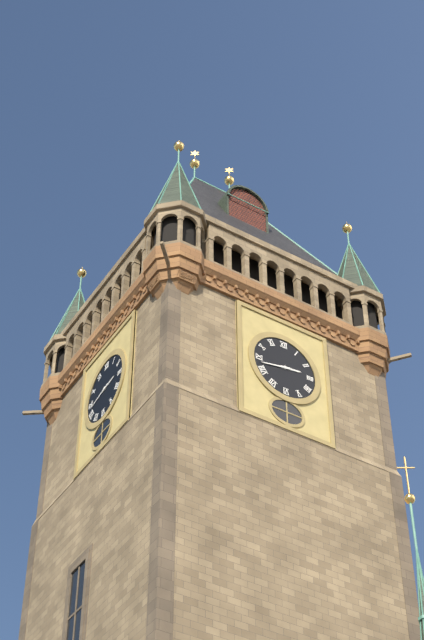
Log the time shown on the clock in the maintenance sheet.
2:43
